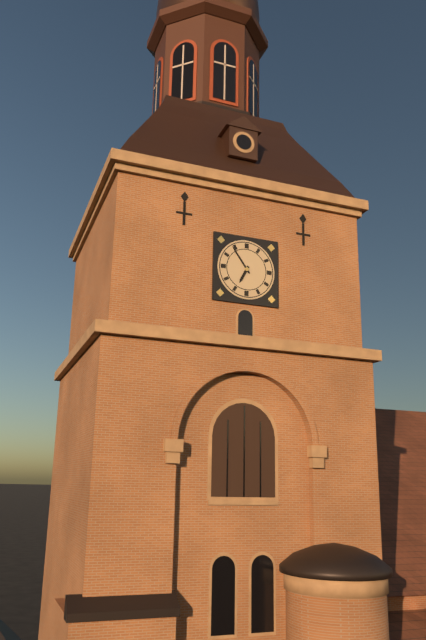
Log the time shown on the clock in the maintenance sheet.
6:54
